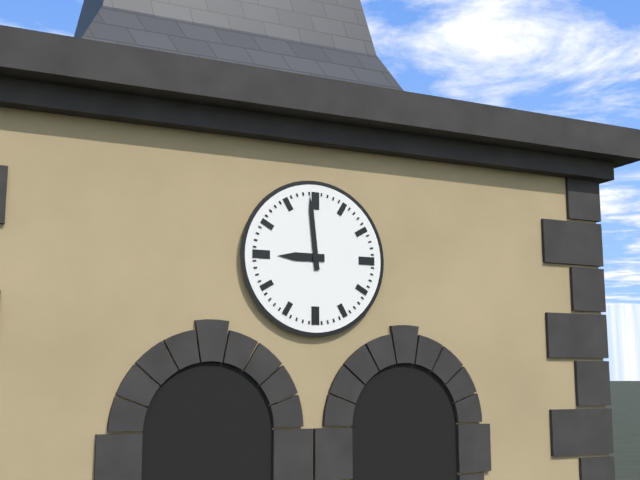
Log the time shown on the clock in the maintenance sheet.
8:59
